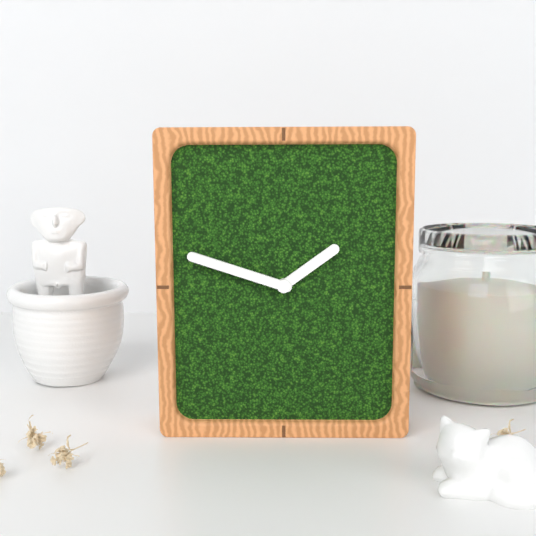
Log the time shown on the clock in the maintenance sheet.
1:48
